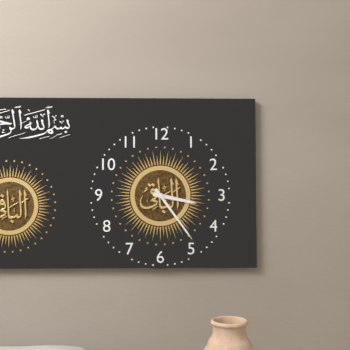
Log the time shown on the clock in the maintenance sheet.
3:24
